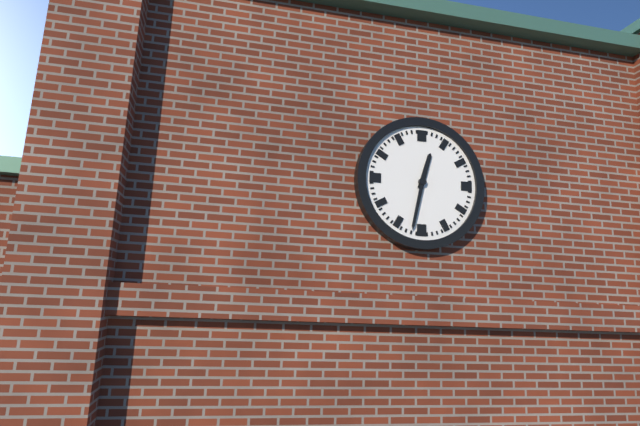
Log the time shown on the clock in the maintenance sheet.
12:32
